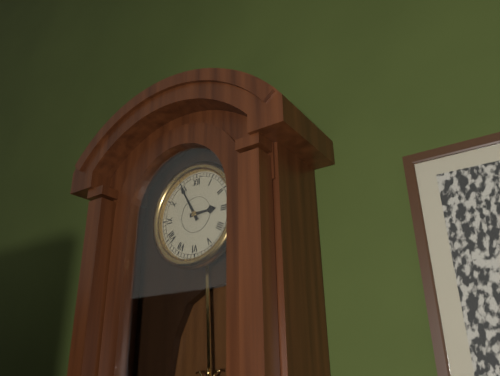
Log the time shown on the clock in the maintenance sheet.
2:55
